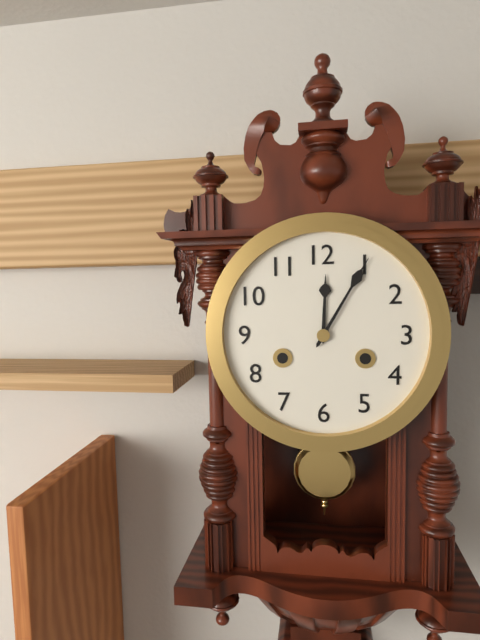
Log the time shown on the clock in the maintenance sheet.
12:05
